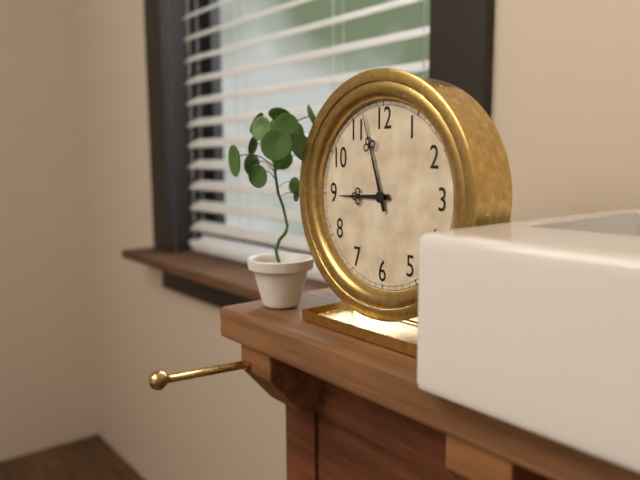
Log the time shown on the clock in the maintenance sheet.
8:57
